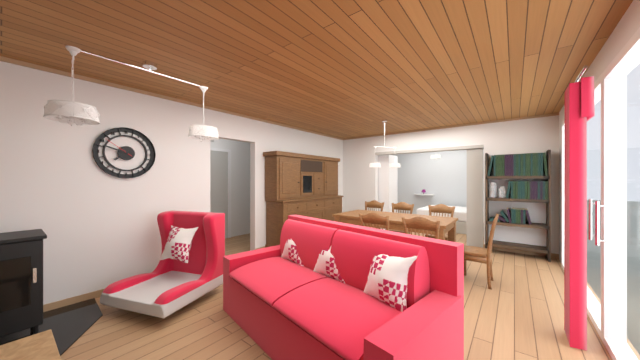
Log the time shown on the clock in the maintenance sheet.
7:48
